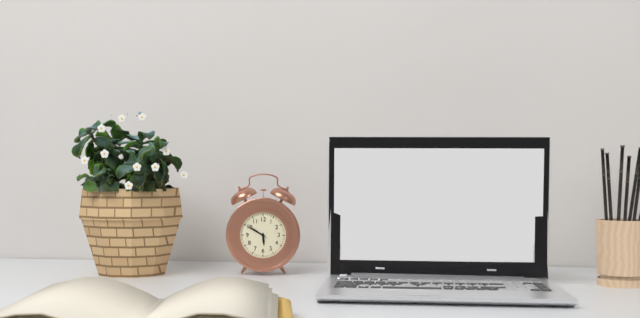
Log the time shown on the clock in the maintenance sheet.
5:50
